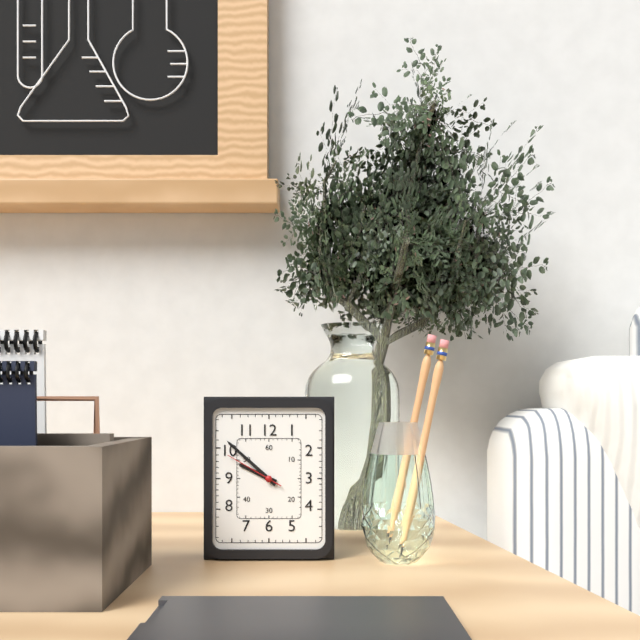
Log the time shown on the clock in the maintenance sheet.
9:52:50
